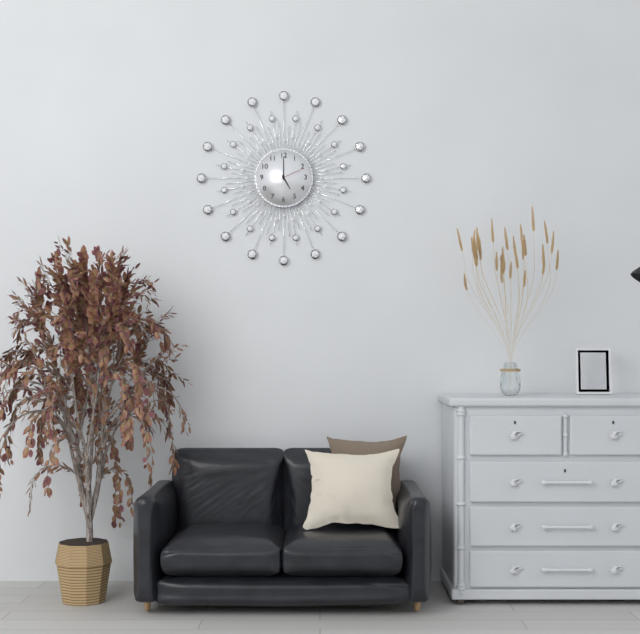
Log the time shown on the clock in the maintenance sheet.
5:00
